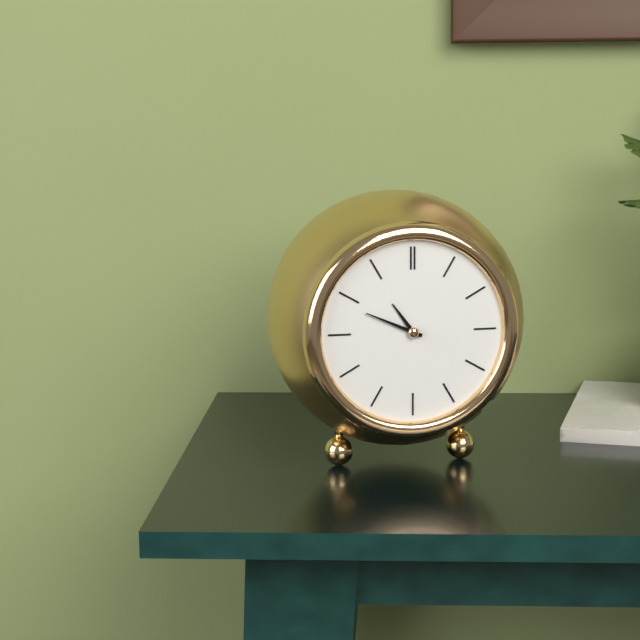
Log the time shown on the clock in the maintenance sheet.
10:49
